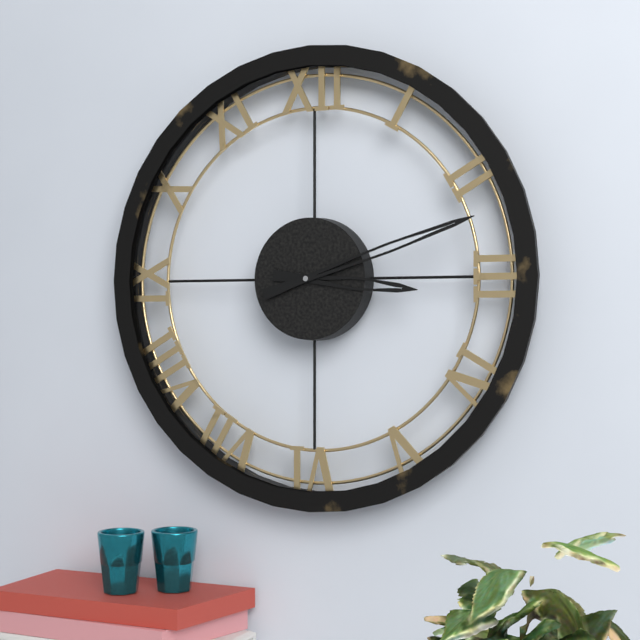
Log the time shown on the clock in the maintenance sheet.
3:12
